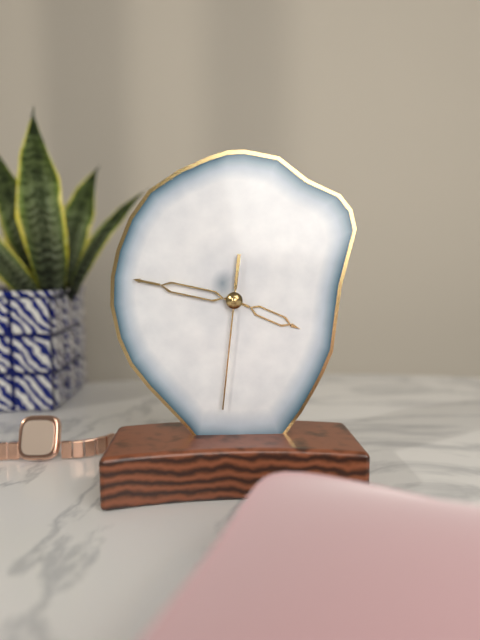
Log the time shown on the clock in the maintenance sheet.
3:47:31
